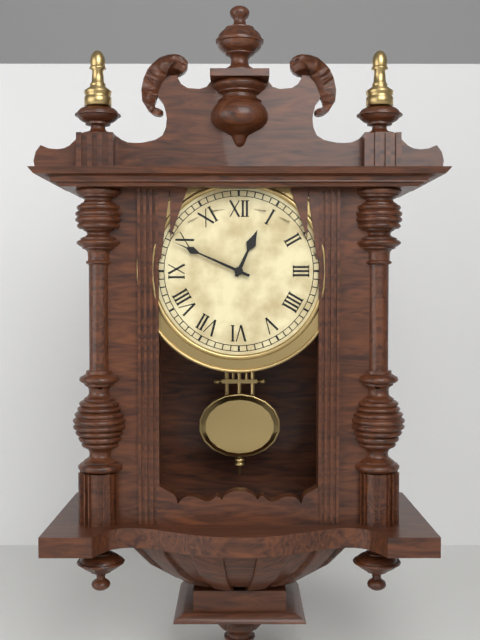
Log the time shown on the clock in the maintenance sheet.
12:49
